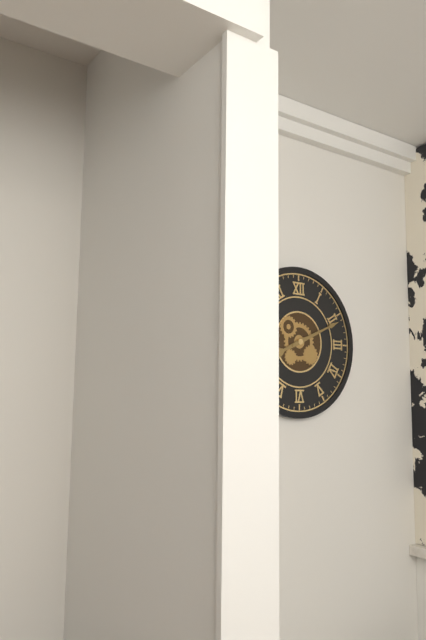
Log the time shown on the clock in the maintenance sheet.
8:11
